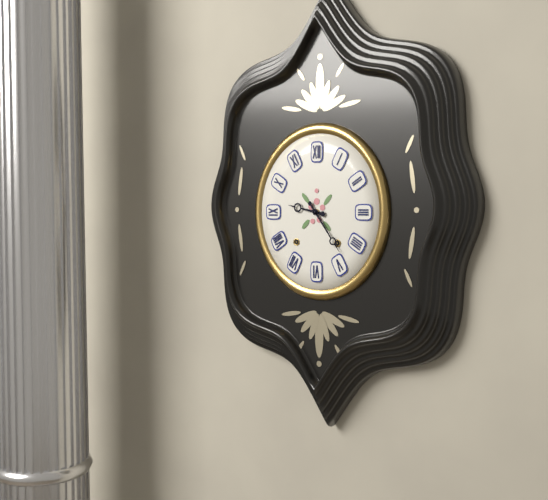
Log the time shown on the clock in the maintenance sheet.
9:24
